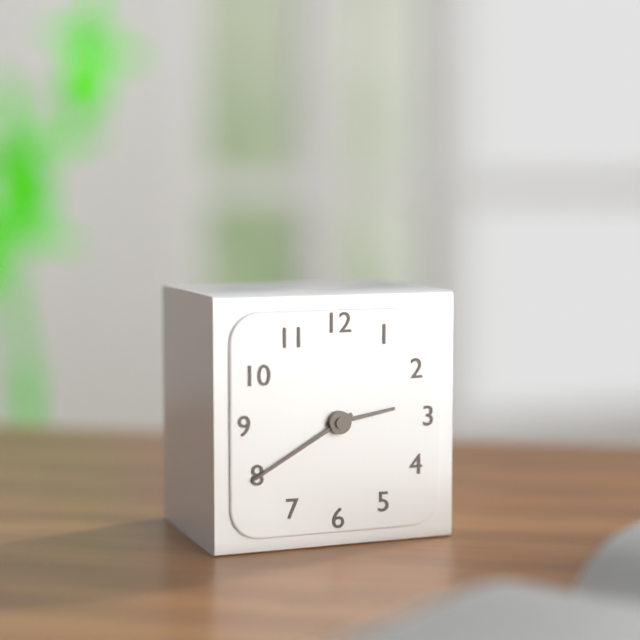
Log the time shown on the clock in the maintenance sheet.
2:40
